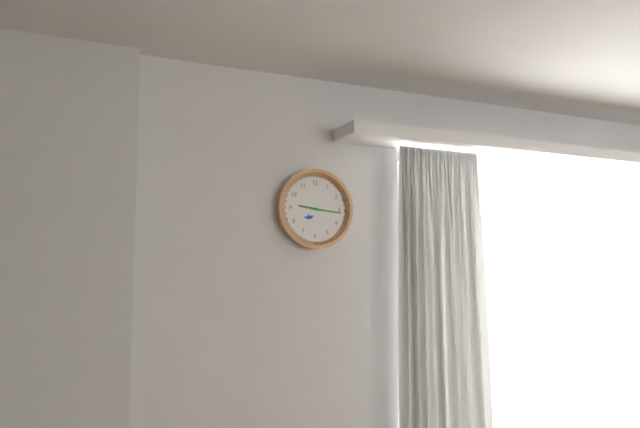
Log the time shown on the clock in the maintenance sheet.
9:16
